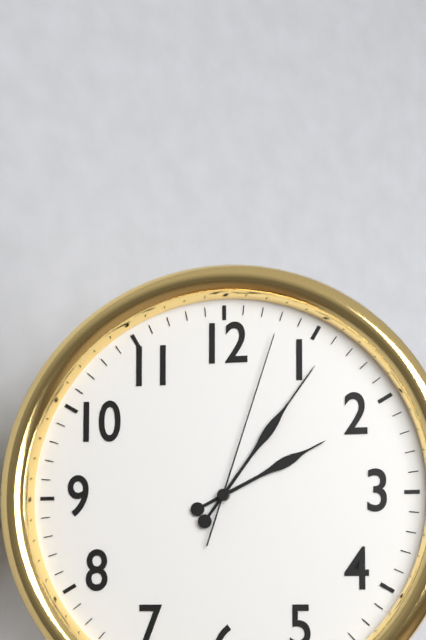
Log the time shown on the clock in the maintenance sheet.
2:06:03
